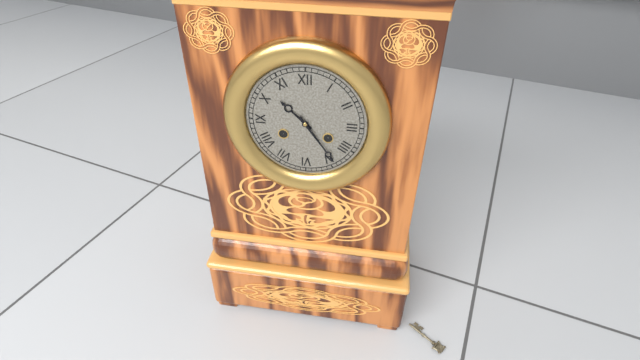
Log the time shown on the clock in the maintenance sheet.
10:24
